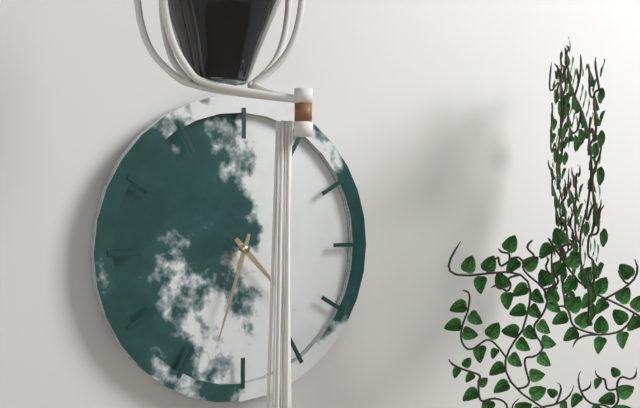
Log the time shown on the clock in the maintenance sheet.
4:33
